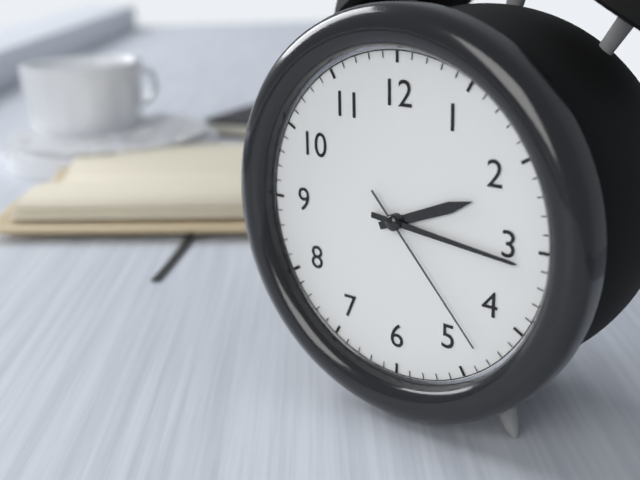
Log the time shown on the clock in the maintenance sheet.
2:16:23
